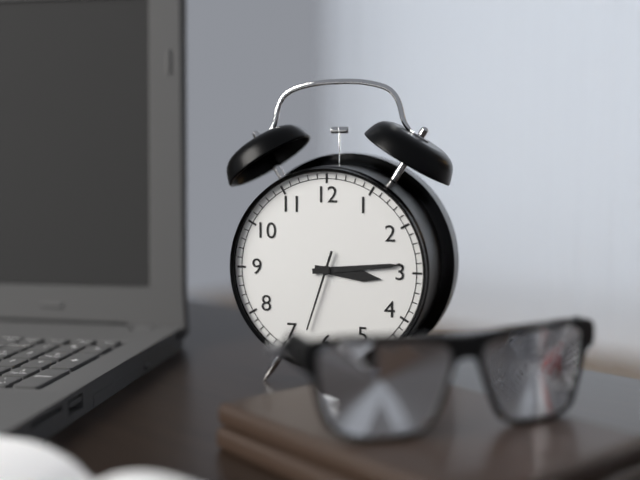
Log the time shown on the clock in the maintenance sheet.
3:14:33
